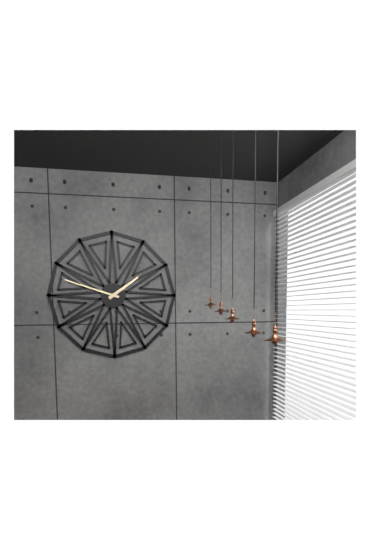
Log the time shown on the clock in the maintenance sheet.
1:48
